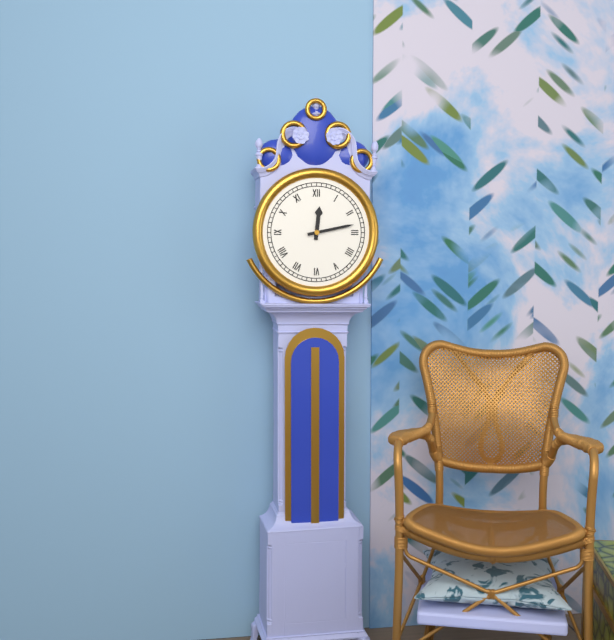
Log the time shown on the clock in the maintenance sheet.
12:13
